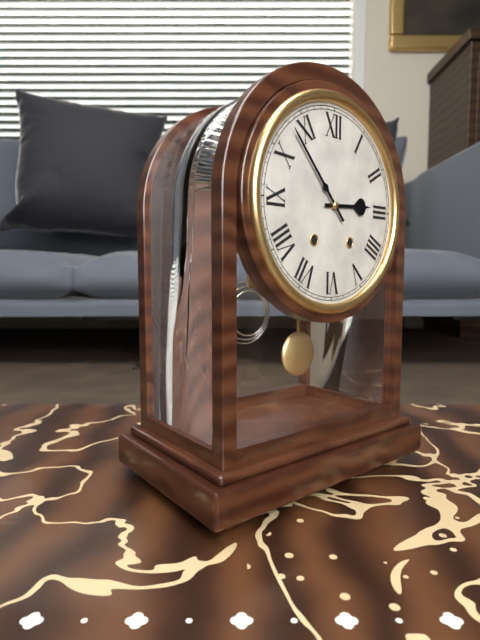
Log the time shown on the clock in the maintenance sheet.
2:53
